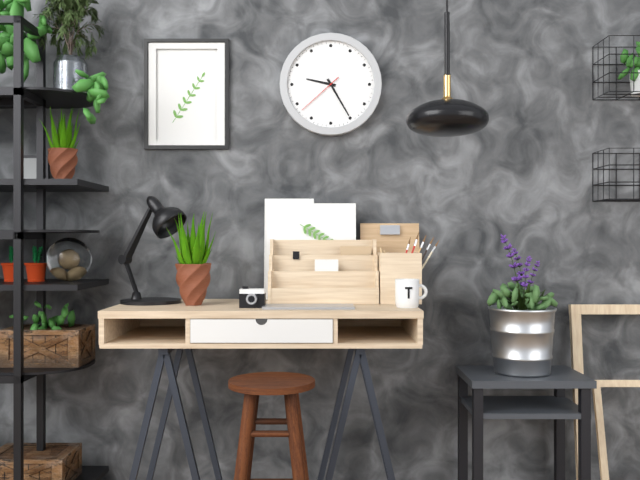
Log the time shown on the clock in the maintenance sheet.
9:25
